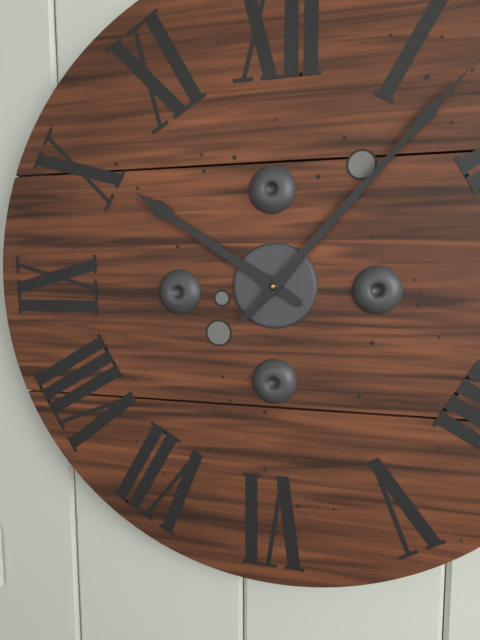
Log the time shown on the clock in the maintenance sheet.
10:07
